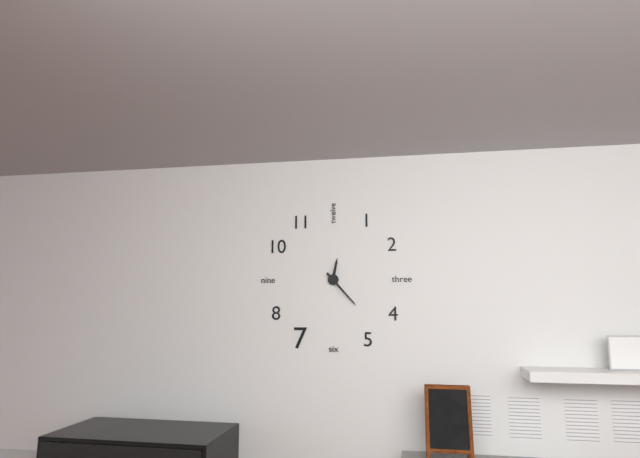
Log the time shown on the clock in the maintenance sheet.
12:23
